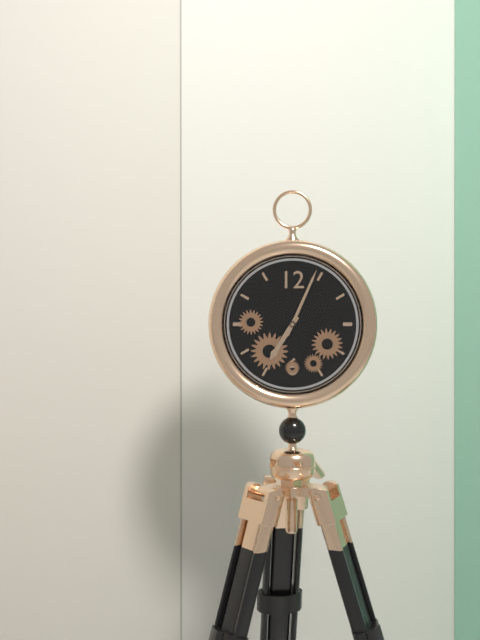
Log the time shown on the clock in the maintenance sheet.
7:04
